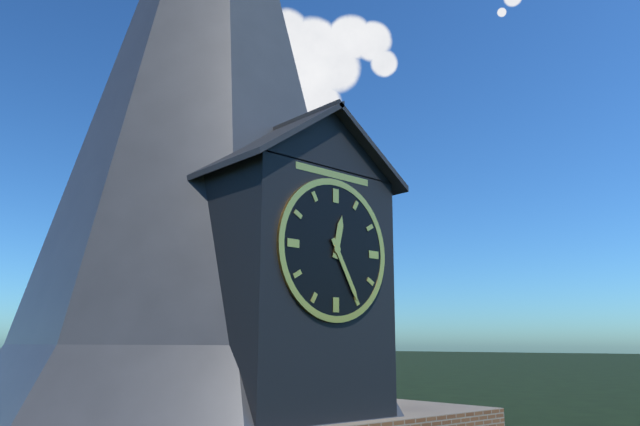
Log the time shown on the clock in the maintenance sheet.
12:25
